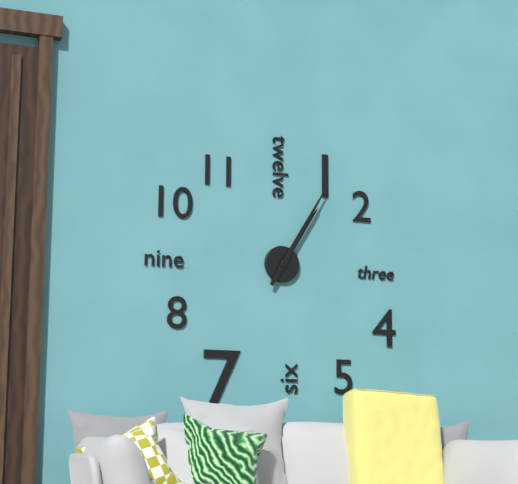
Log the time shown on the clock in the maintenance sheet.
1:05
